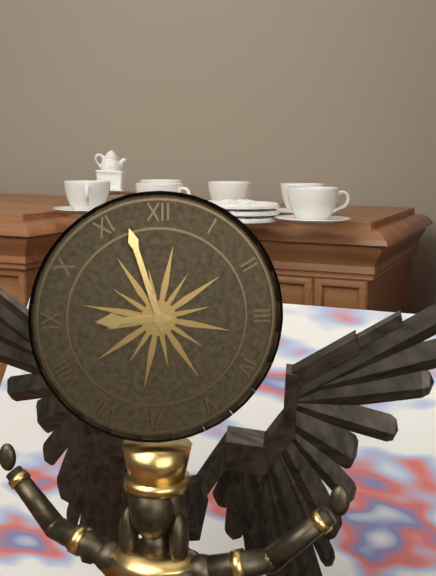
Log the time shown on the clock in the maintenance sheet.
8:57
